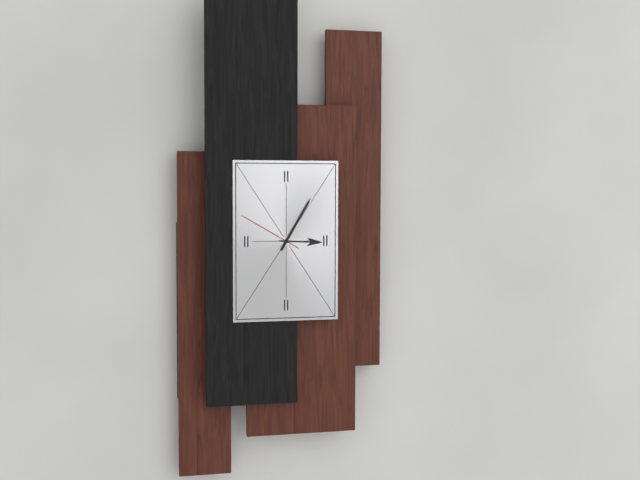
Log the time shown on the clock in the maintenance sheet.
3:05:50
